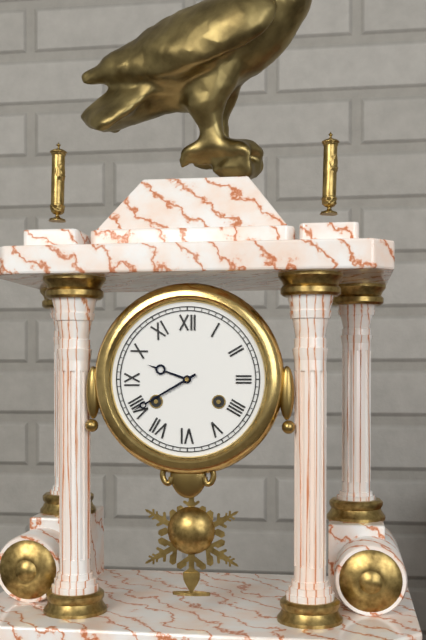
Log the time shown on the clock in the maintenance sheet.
9:40
